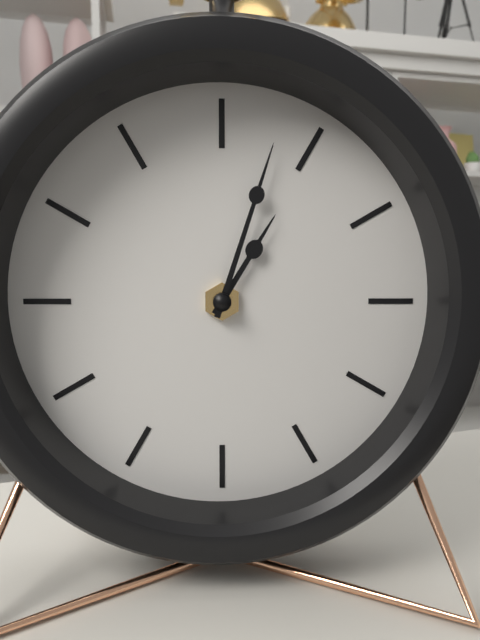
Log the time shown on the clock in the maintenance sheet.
1:03
